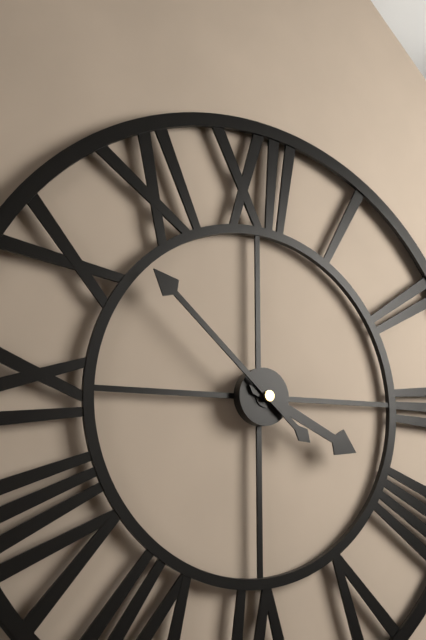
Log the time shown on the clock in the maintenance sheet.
3:52
